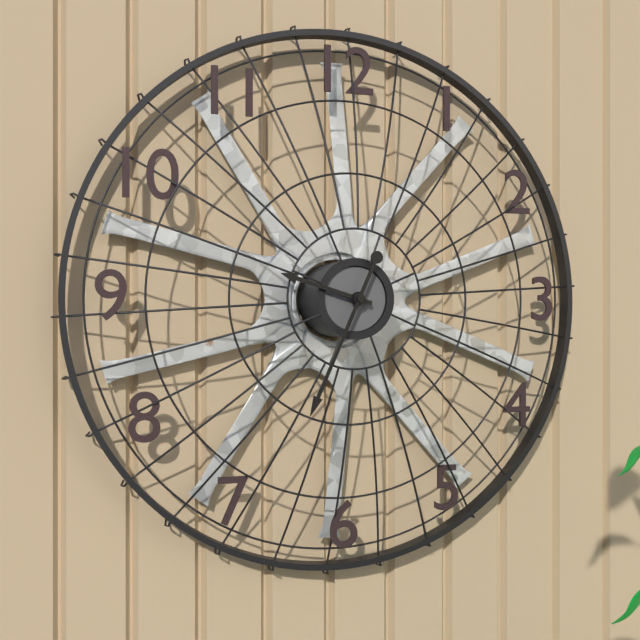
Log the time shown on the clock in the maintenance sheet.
9:34
